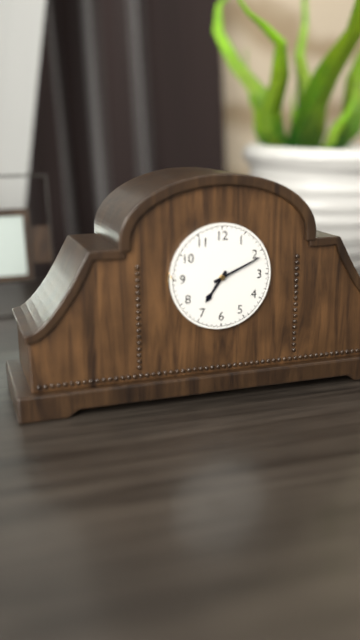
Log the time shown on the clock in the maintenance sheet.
7:11
